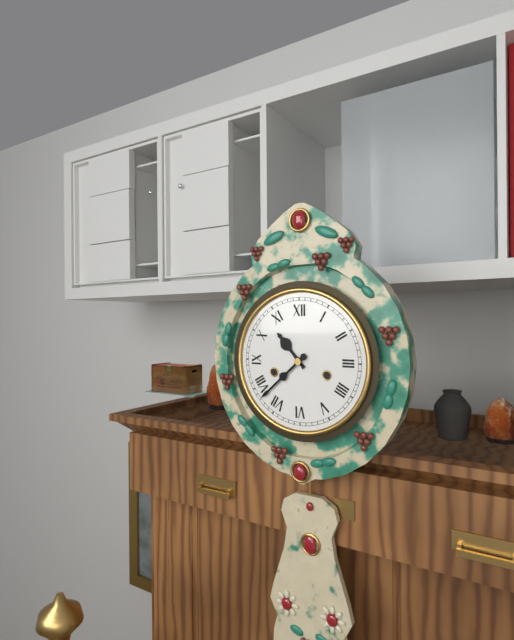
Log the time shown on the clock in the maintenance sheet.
10:38
